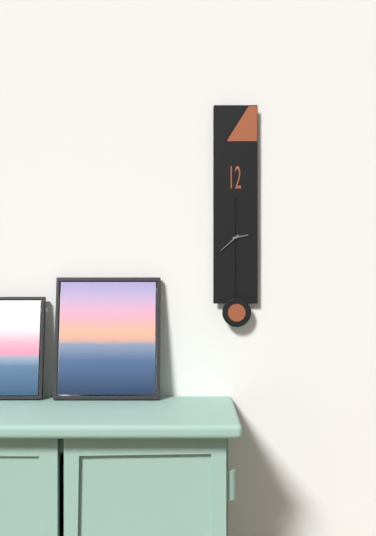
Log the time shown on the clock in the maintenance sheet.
2:38
